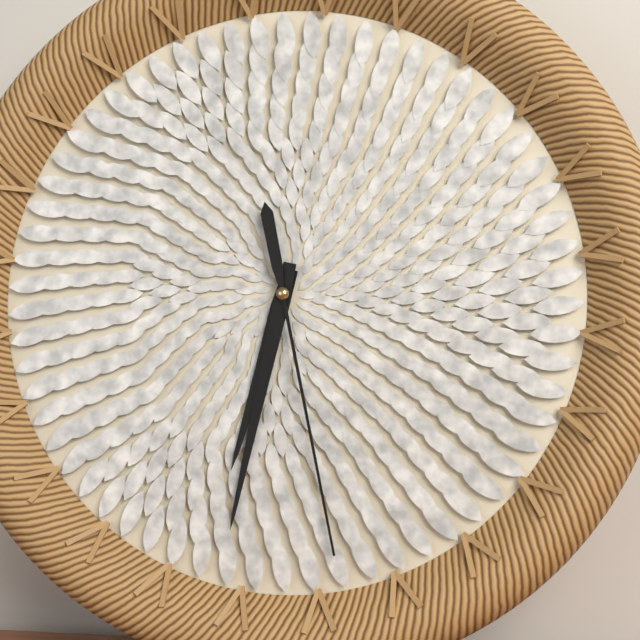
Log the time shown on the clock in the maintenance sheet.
6:32:28
